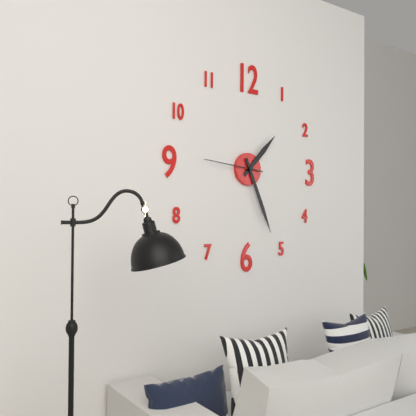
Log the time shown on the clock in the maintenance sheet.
1:26:46
